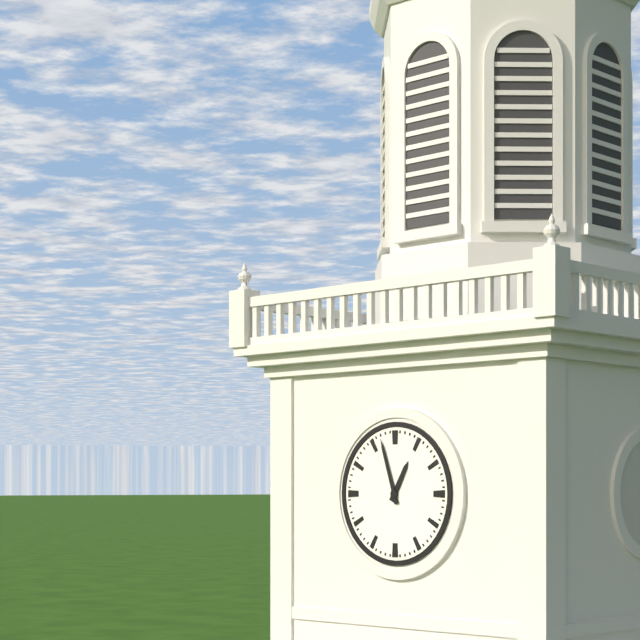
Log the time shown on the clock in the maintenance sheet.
12:57
